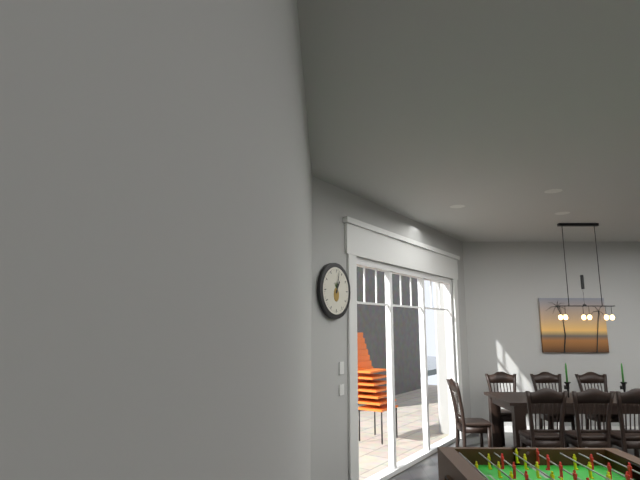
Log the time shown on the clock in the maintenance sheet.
1:02
